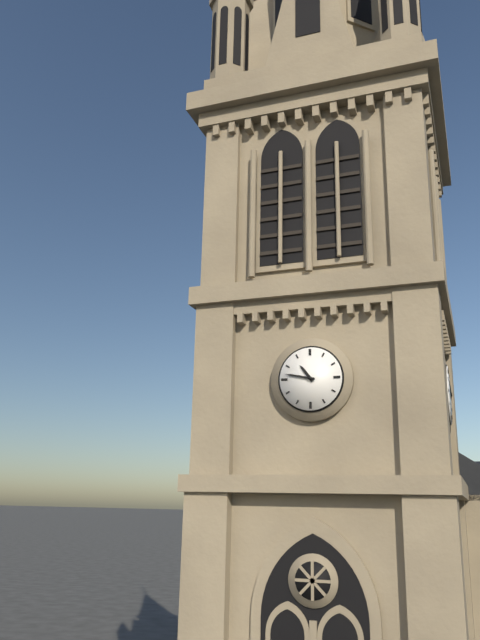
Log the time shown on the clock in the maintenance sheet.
10:47
